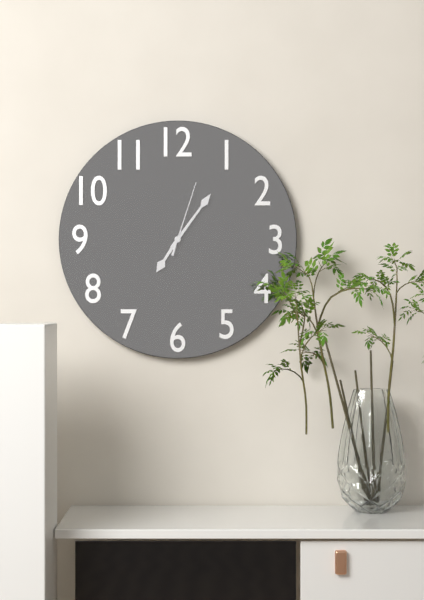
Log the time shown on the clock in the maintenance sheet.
7:06:03
